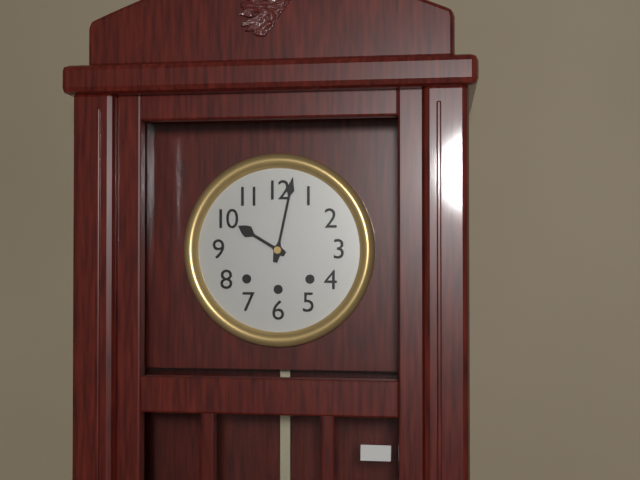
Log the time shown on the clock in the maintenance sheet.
10:02
